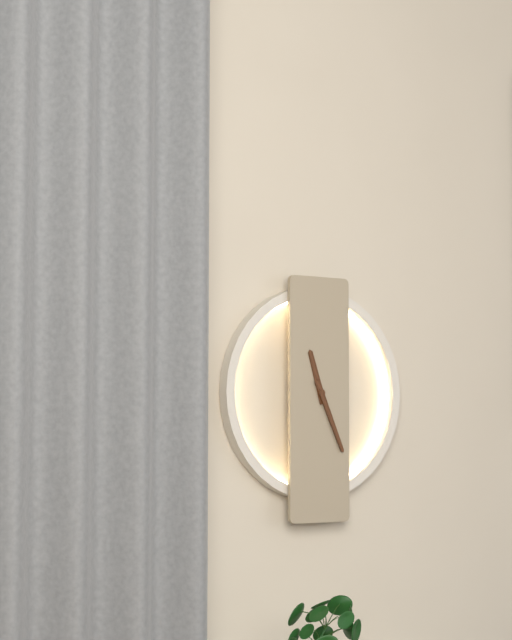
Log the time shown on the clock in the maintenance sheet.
11:26
